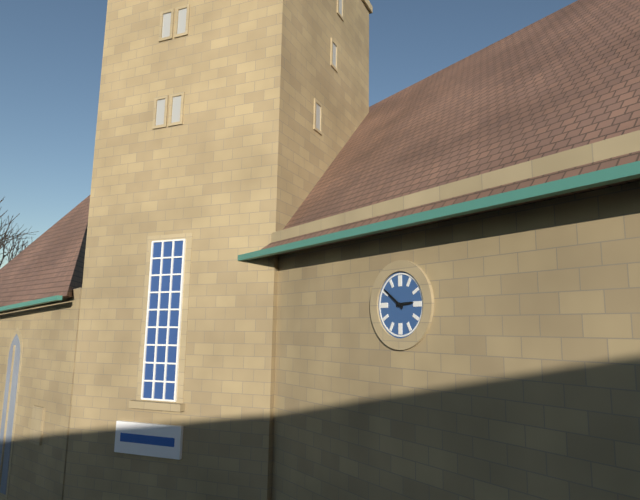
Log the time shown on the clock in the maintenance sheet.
2:51
